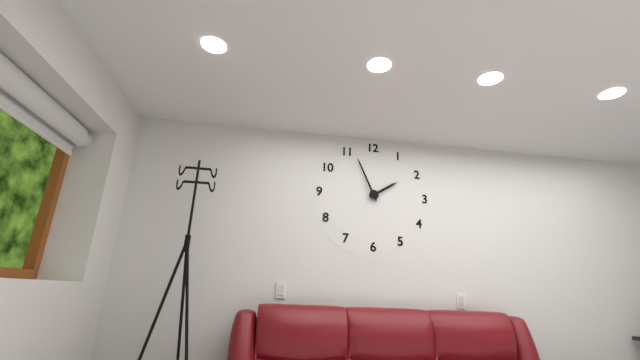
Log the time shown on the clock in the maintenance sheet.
1:56
